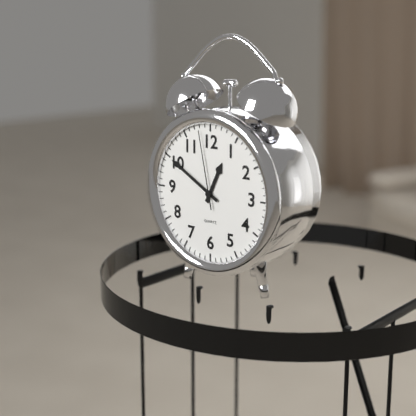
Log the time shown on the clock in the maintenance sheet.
12:50:58
